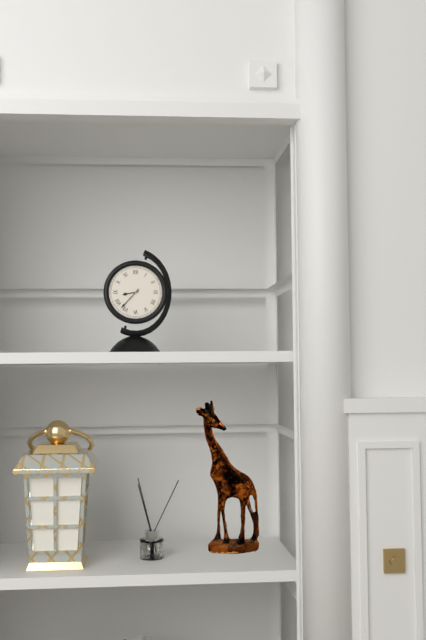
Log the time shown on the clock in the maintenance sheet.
8:37
